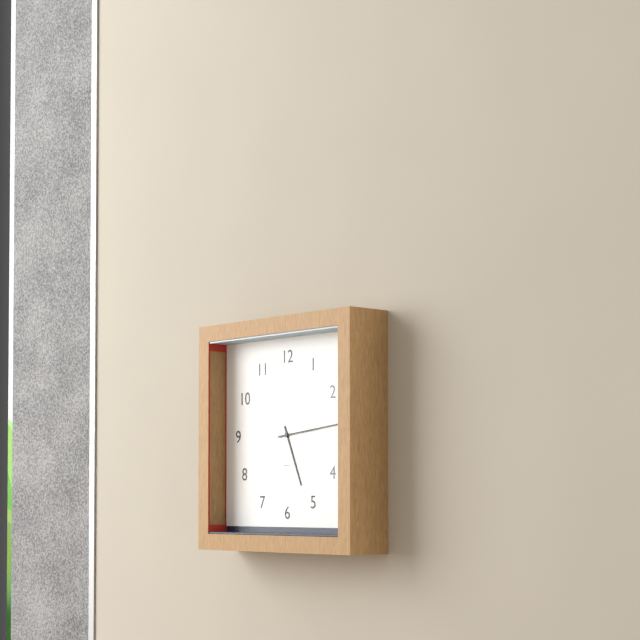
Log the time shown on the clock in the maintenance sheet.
5:14
